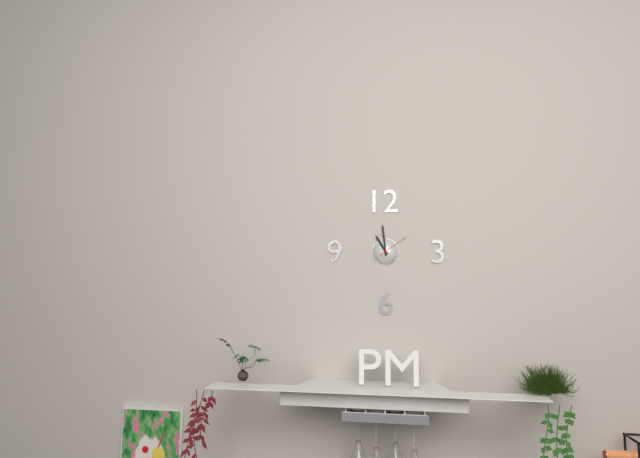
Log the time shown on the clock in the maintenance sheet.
10:59
